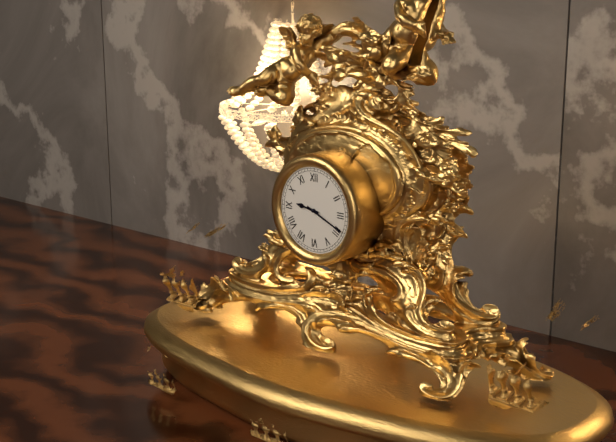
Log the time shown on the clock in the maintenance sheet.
9:19
